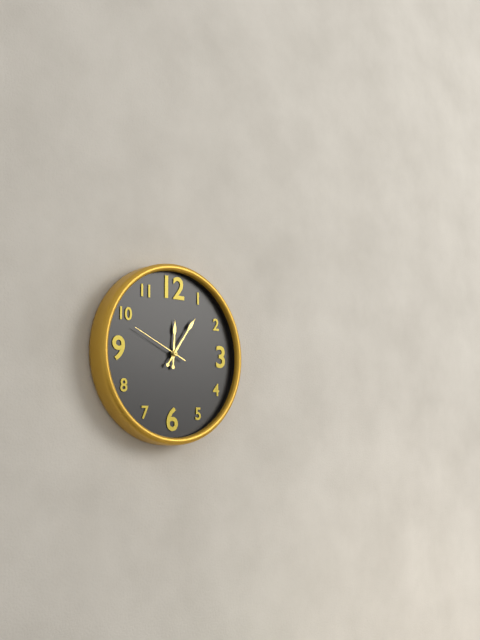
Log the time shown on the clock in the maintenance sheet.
12:06:49
